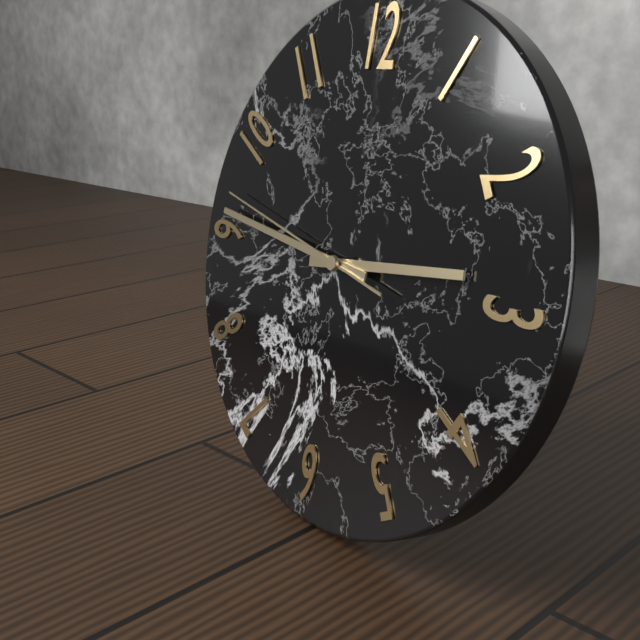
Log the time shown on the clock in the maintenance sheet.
2:46:47
